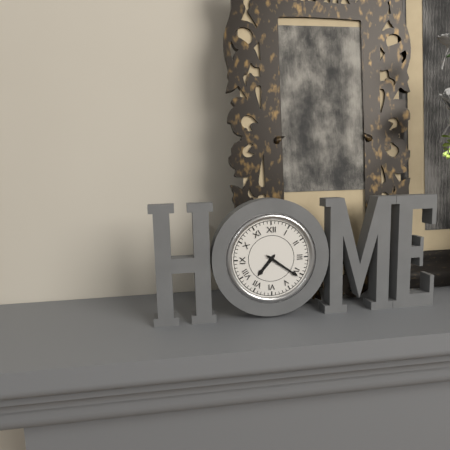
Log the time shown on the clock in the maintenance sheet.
7:21
